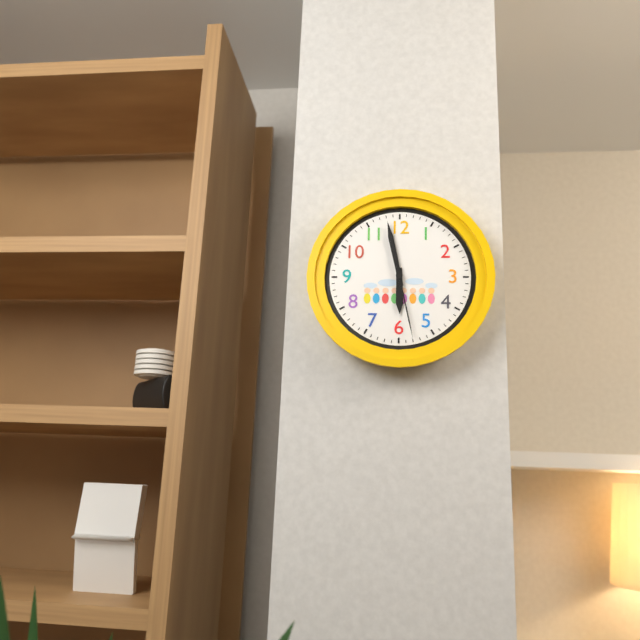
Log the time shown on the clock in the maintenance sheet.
5:58:28
